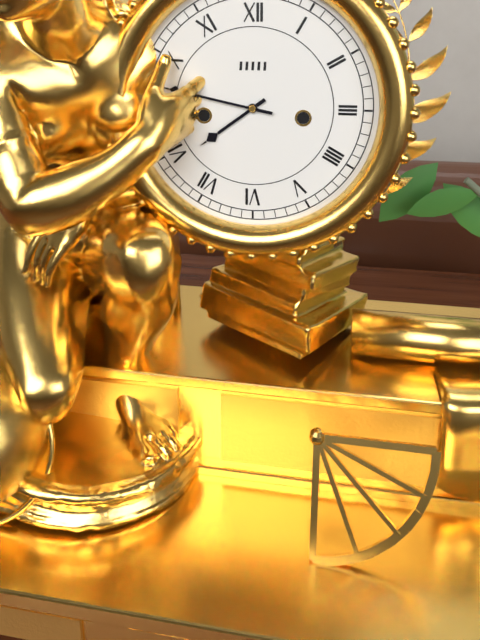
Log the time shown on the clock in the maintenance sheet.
7:47
